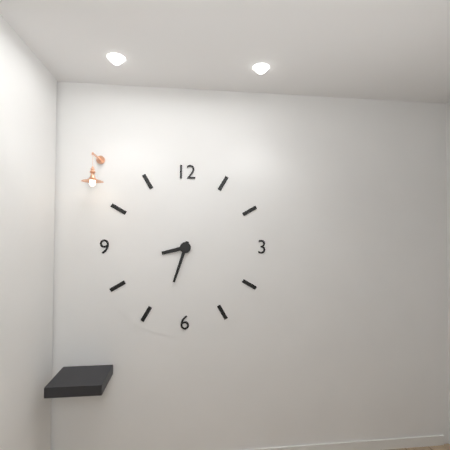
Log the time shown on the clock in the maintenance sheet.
8:33
